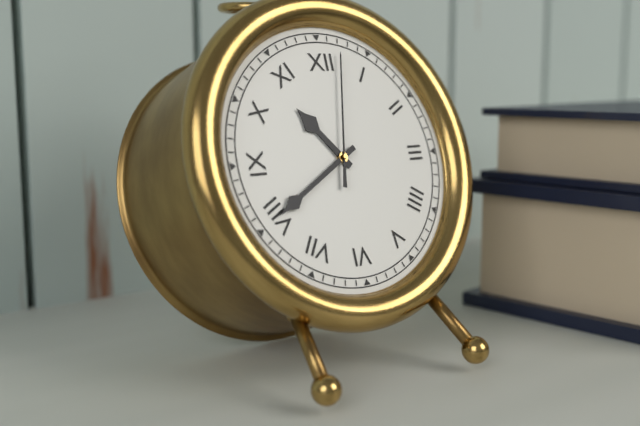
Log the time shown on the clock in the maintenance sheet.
10:40:02
